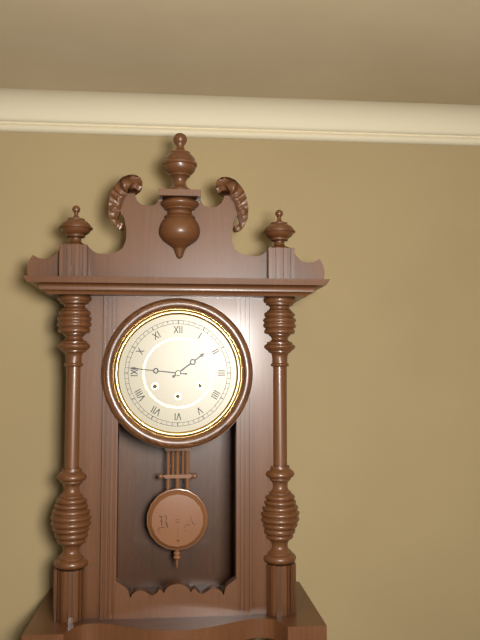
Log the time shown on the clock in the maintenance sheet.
1:46
